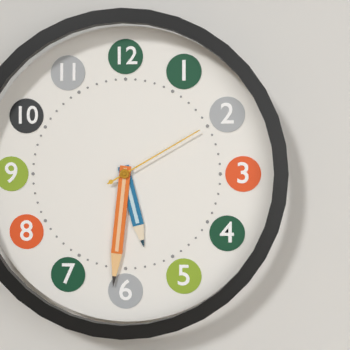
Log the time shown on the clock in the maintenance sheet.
5:31:10
